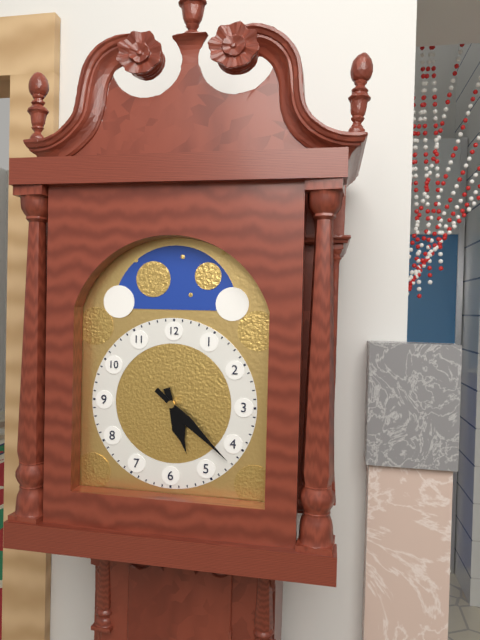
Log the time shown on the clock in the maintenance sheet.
5:22
